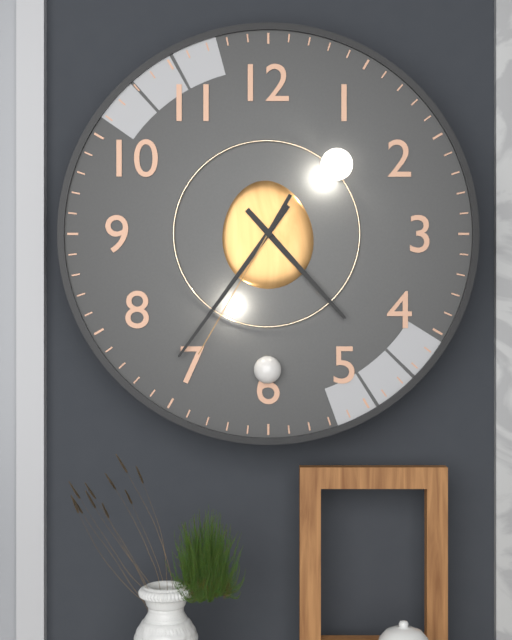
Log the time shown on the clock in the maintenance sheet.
4:36:35
